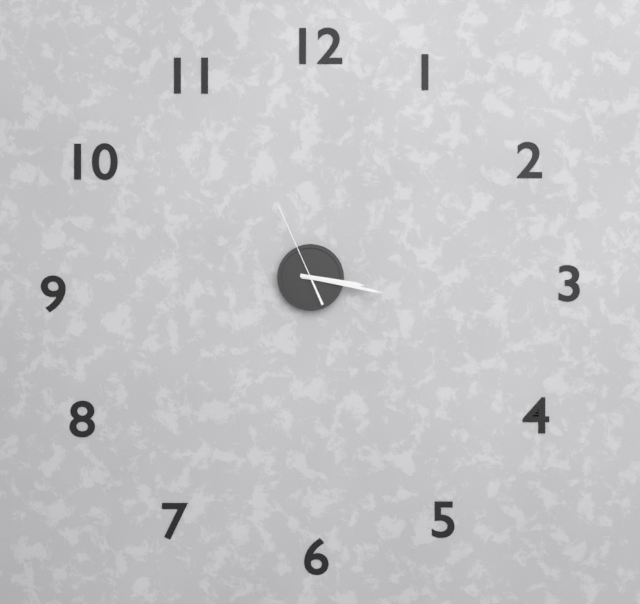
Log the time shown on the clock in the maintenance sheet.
3:17:56
